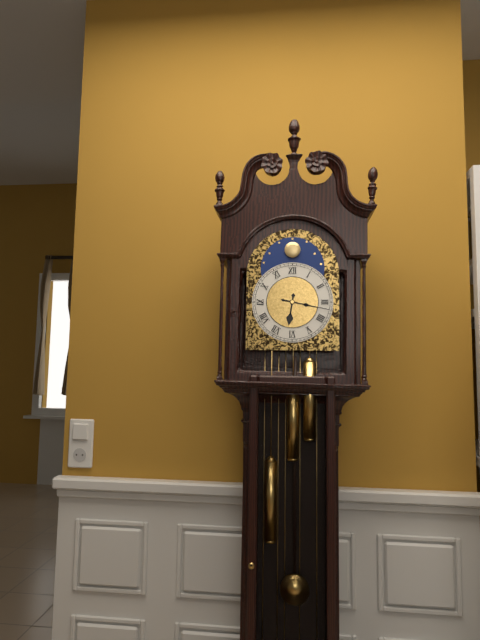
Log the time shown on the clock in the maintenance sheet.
6:17
